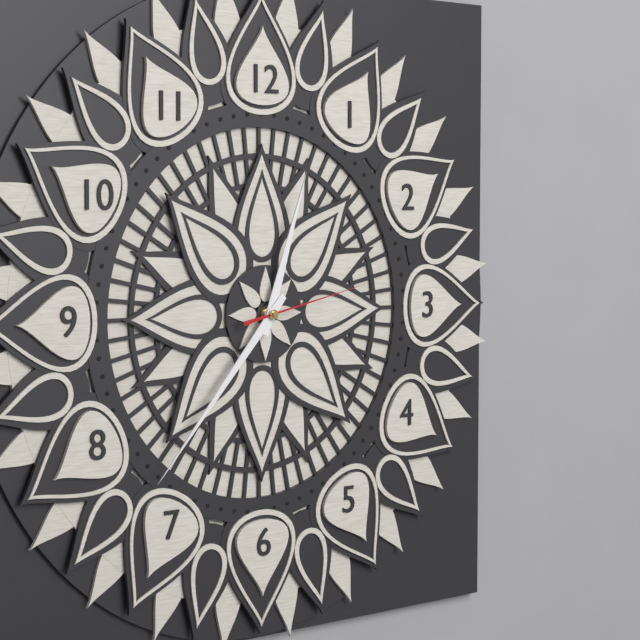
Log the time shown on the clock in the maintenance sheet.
12:37:13
